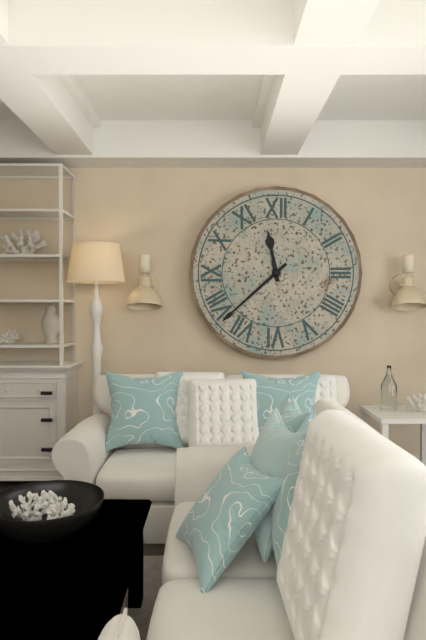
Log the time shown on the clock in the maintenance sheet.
11:38
